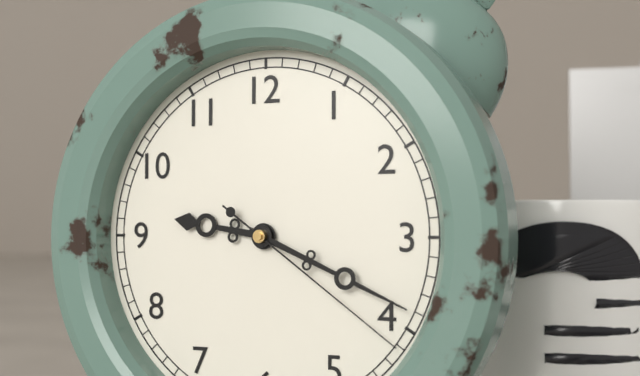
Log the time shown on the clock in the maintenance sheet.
9:19:21
